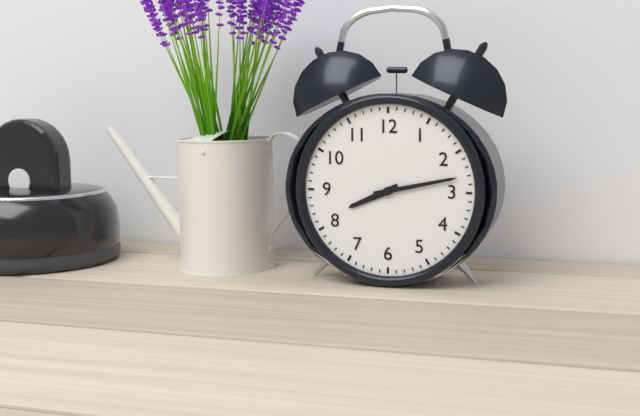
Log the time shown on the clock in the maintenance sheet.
8:13
